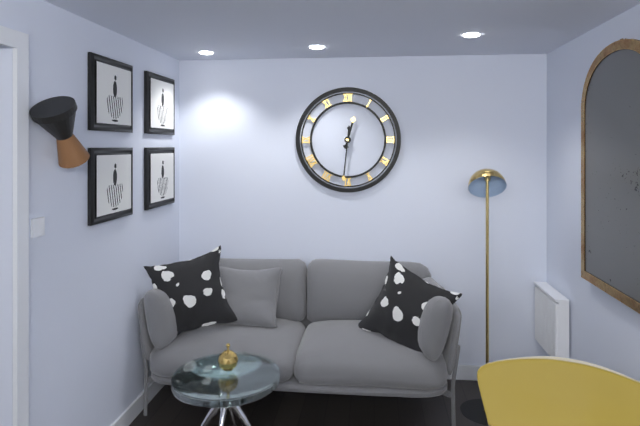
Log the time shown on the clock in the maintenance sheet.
12:31
